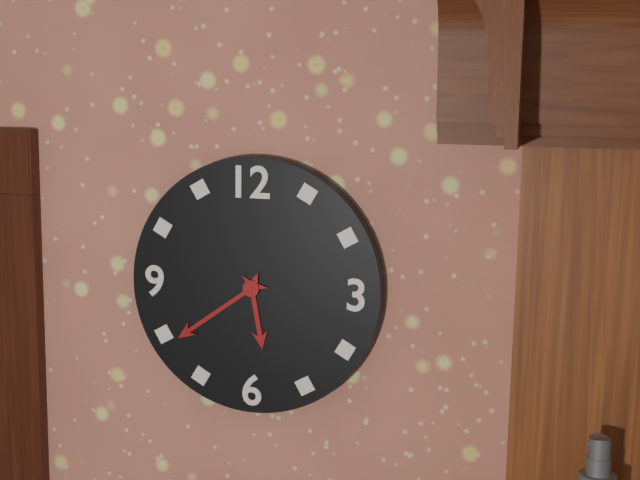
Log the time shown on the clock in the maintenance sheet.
5:39
